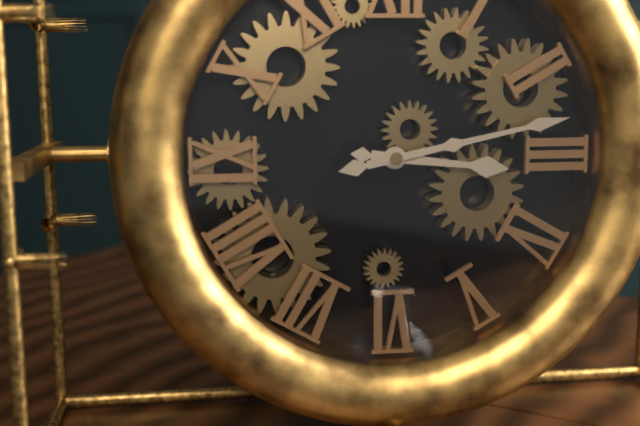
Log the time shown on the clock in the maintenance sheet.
3:13
